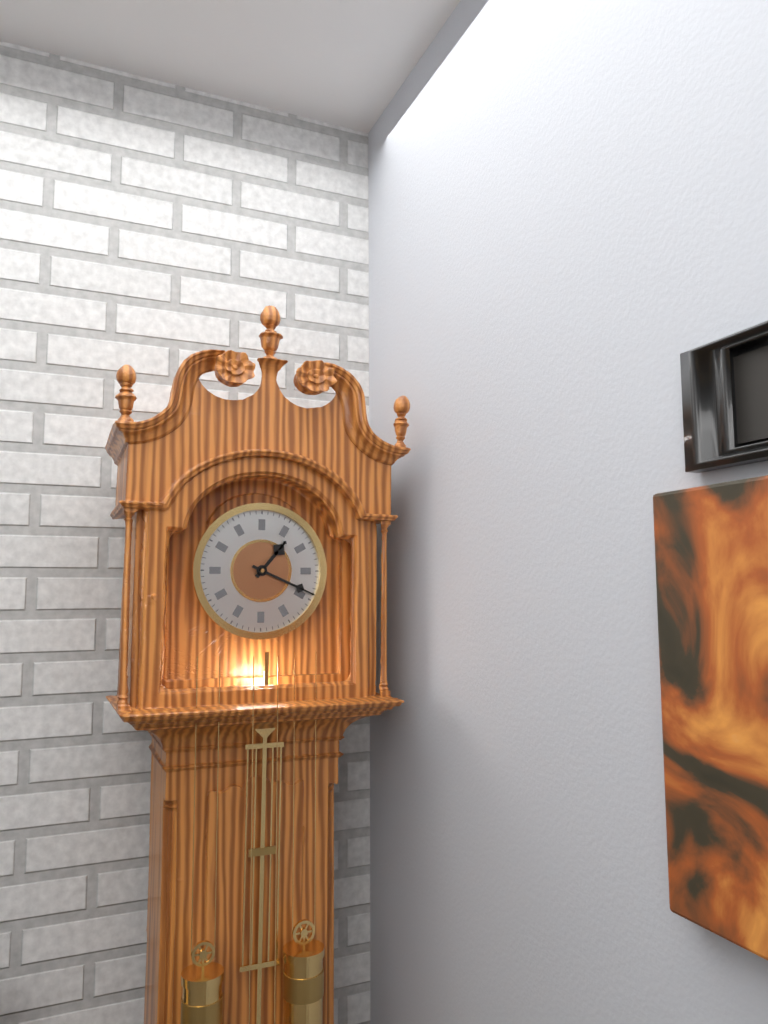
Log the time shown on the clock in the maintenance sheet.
1:19
